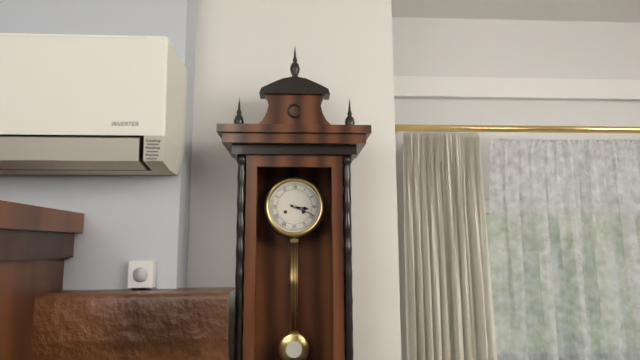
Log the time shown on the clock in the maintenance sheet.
3:19
